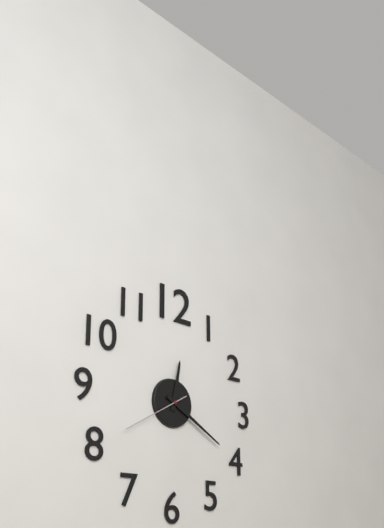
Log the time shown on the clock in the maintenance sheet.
12:20:40
